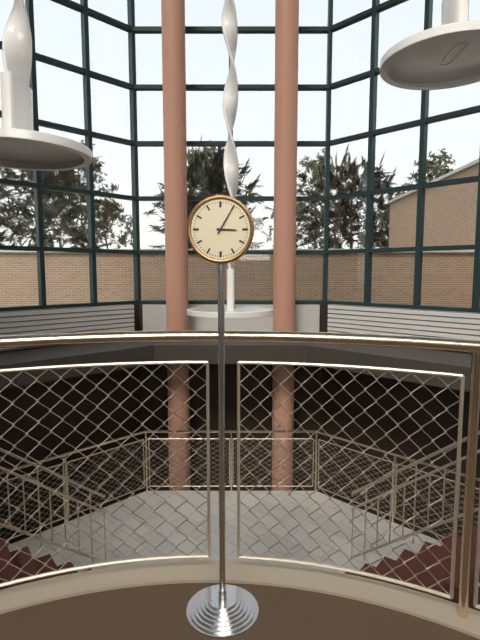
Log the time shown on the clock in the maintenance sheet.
3:05
